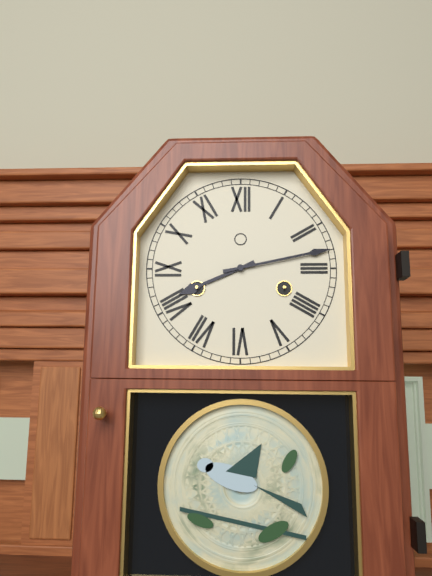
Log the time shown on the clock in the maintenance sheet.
8:13
